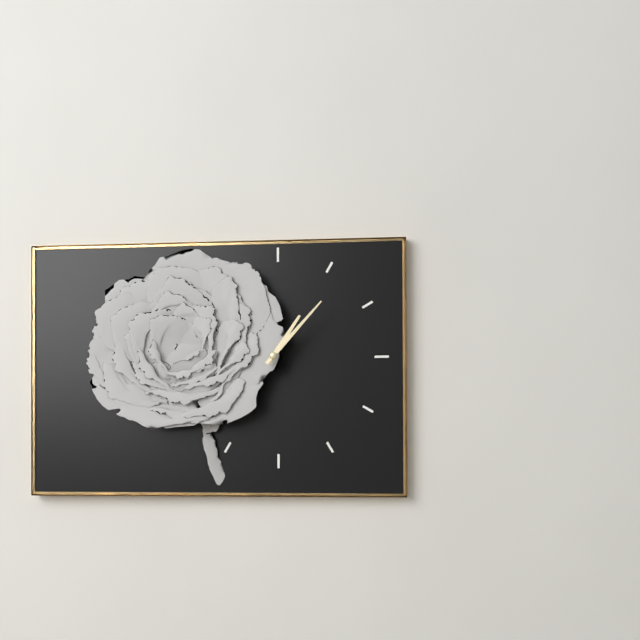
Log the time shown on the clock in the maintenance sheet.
1:07
